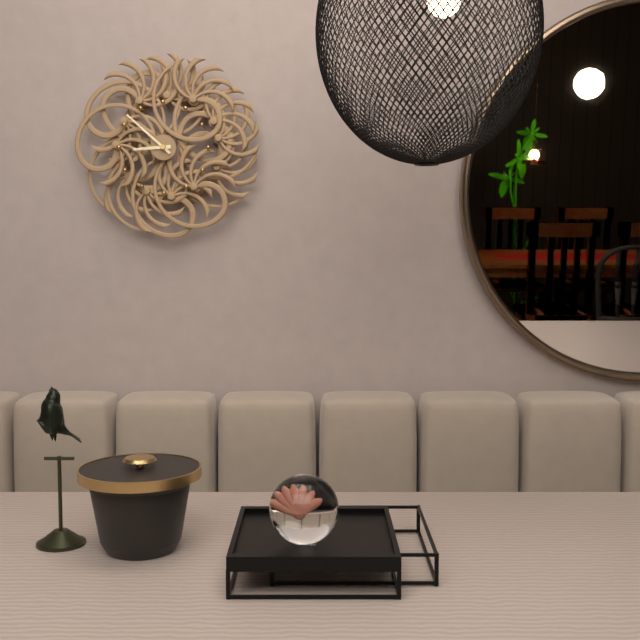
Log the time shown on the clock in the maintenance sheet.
8:52
